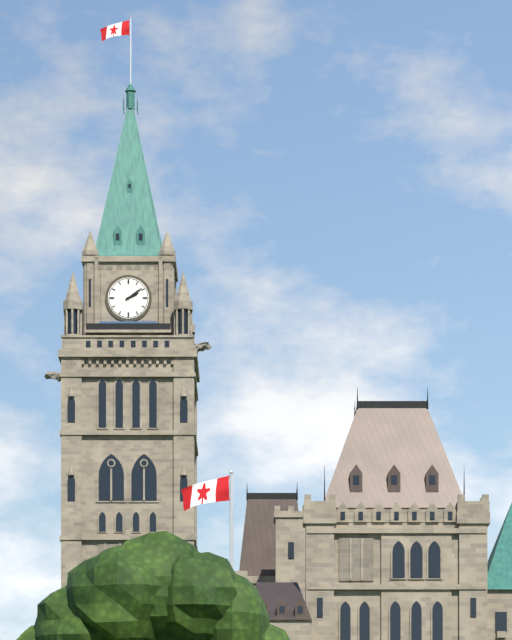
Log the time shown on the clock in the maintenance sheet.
2:09
